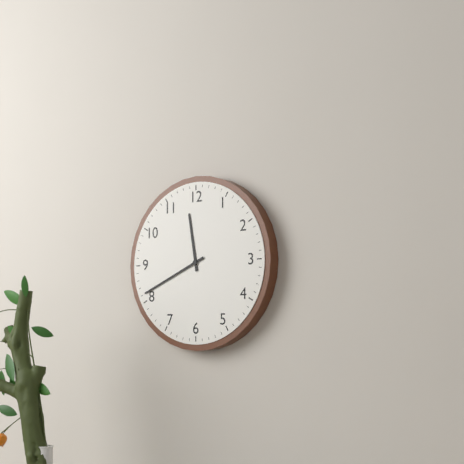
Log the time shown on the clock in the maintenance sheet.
11:41
